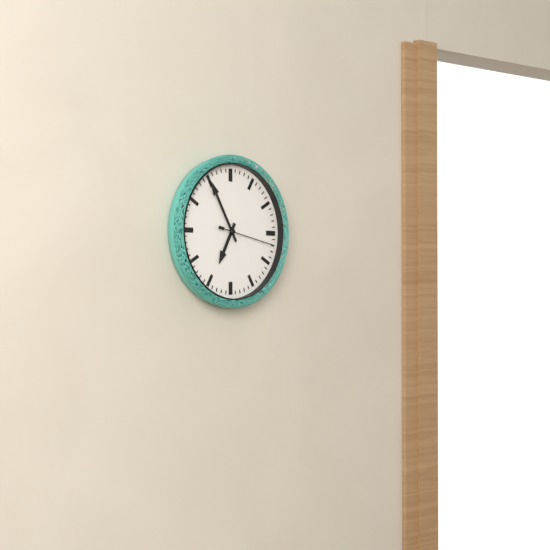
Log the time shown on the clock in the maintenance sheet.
6:55:17
